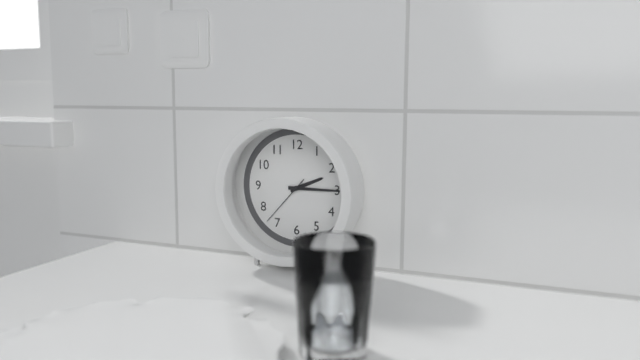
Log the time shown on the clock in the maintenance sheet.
2:15:37
